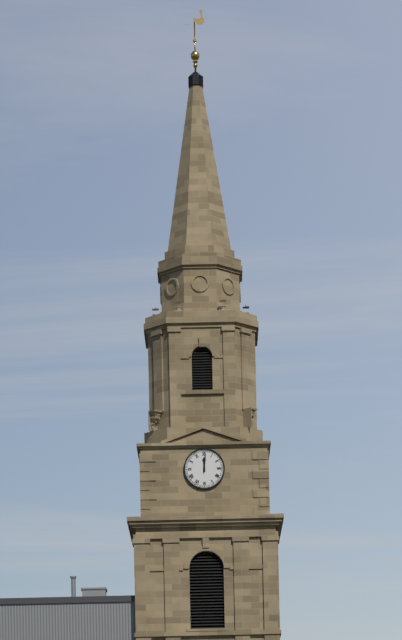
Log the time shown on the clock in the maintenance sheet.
12:01
